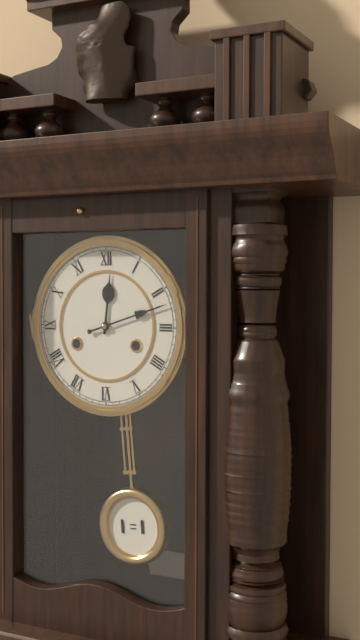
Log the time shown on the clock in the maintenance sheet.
12:12
